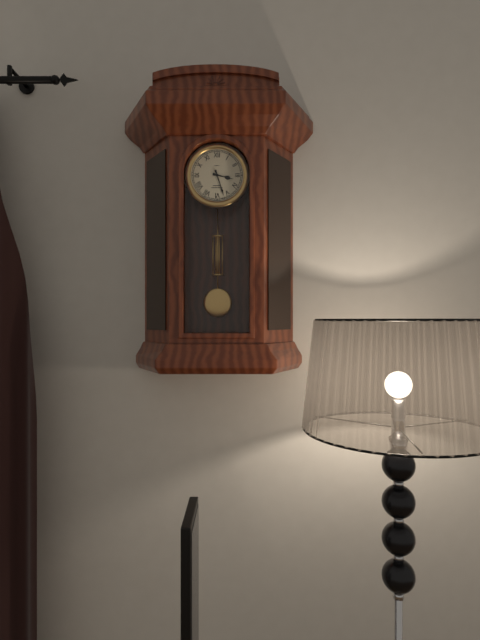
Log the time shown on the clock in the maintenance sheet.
3:27
